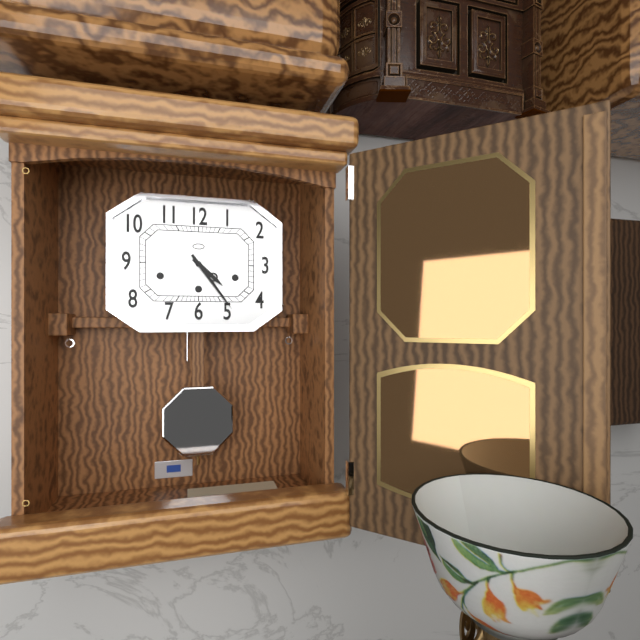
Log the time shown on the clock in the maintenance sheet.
4:24
